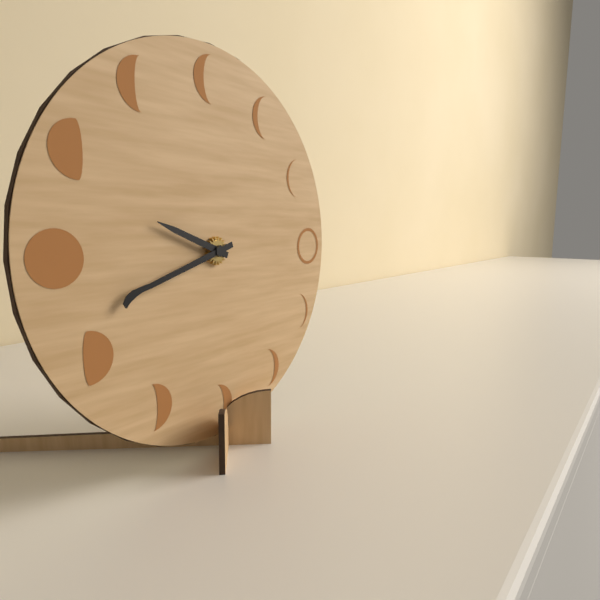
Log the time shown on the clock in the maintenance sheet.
9:42
